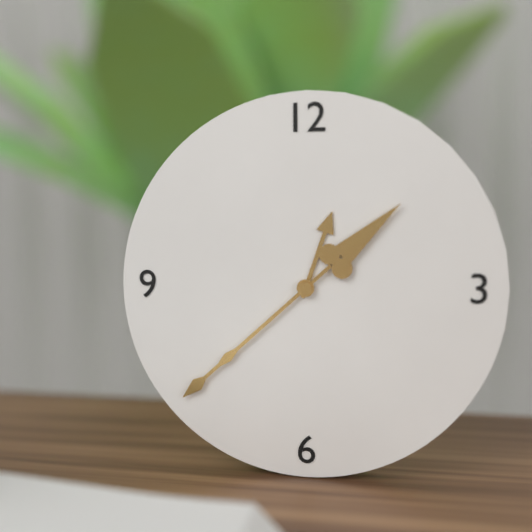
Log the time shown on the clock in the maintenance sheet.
12:38
